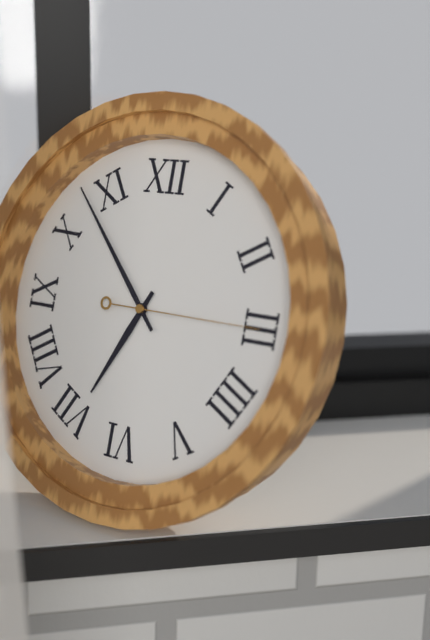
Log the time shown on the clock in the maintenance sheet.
6:53:15
